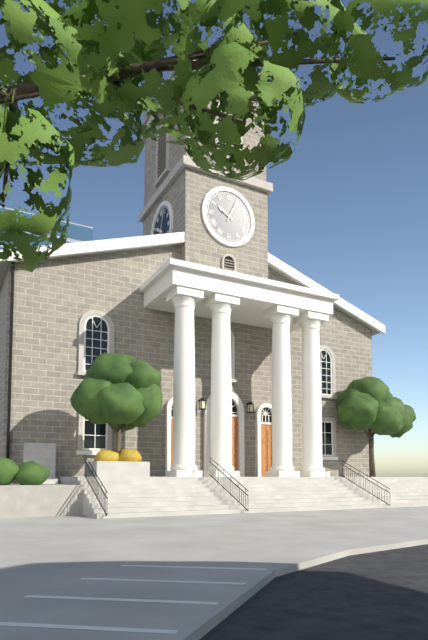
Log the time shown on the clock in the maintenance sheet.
10:04
